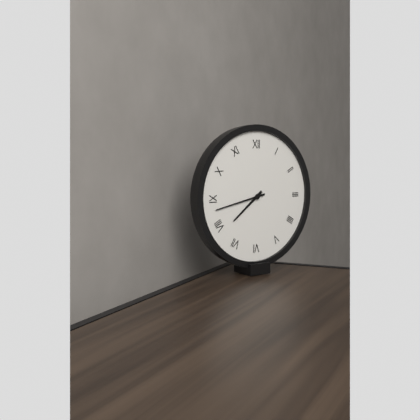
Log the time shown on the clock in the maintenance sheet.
7:43
